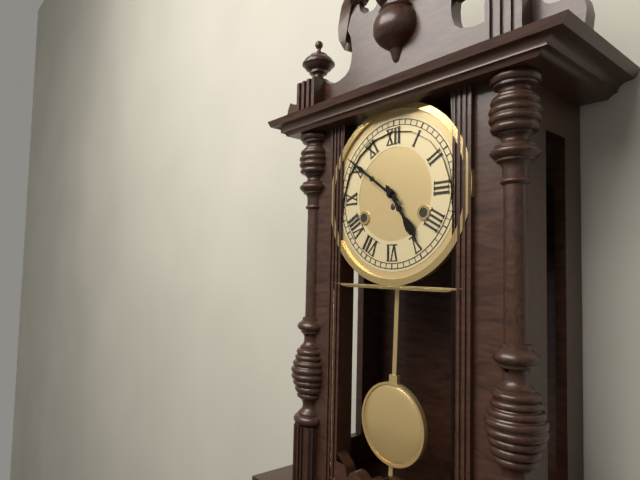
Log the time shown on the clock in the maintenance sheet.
4:51
